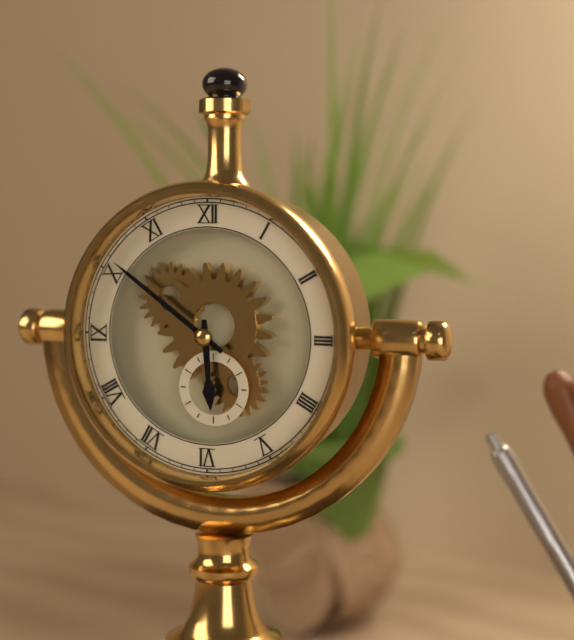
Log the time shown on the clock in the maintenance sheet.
5:51
